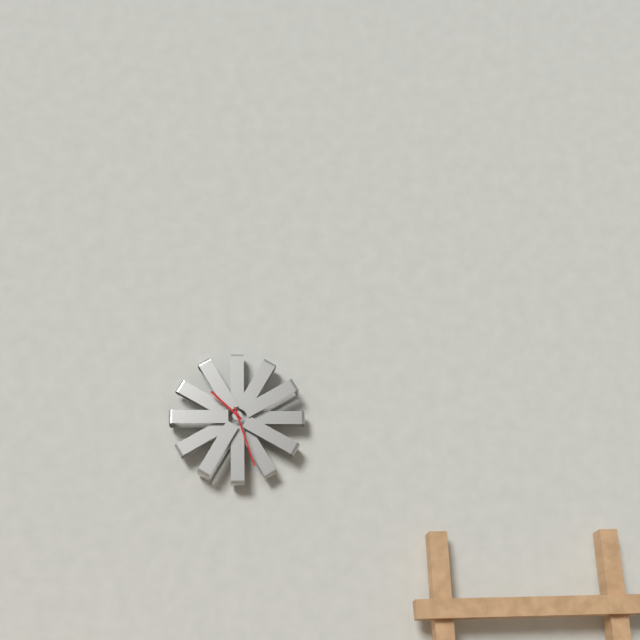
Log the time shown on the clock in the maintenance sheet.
10:27
